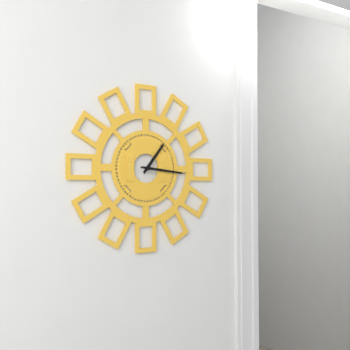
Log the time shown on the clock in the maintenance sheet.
1:16
